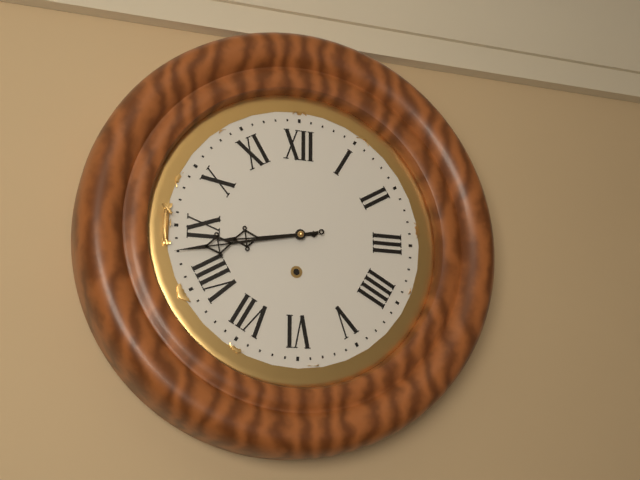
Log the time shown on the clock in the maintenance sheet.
8:43
